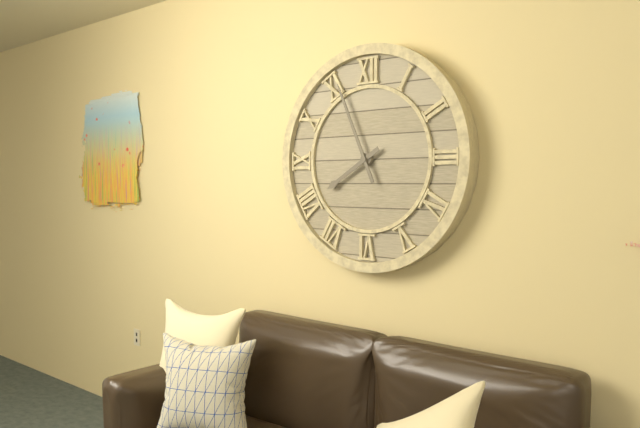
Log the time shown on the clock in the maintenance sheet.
7:56
